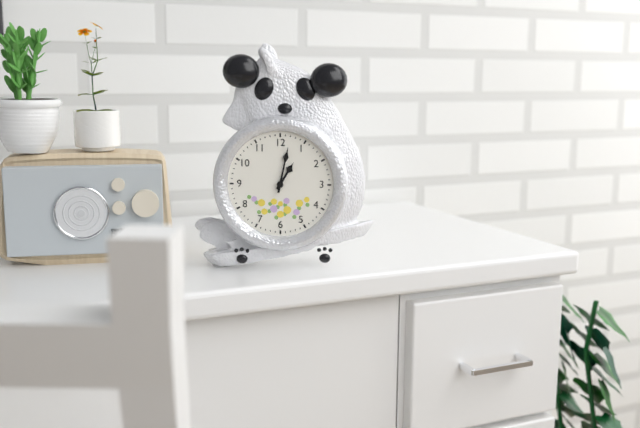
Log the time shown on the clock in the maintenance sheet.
1:02
